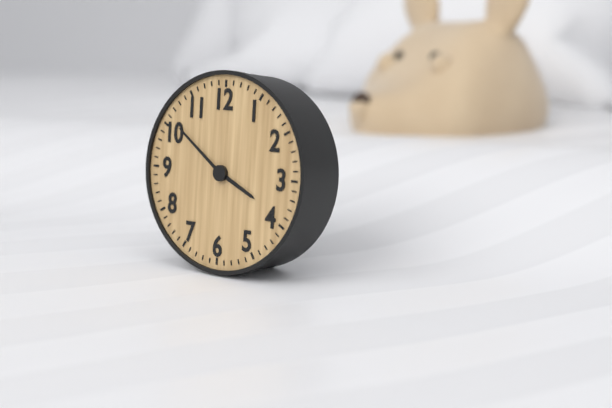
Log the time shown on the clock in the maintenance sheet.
3:51
